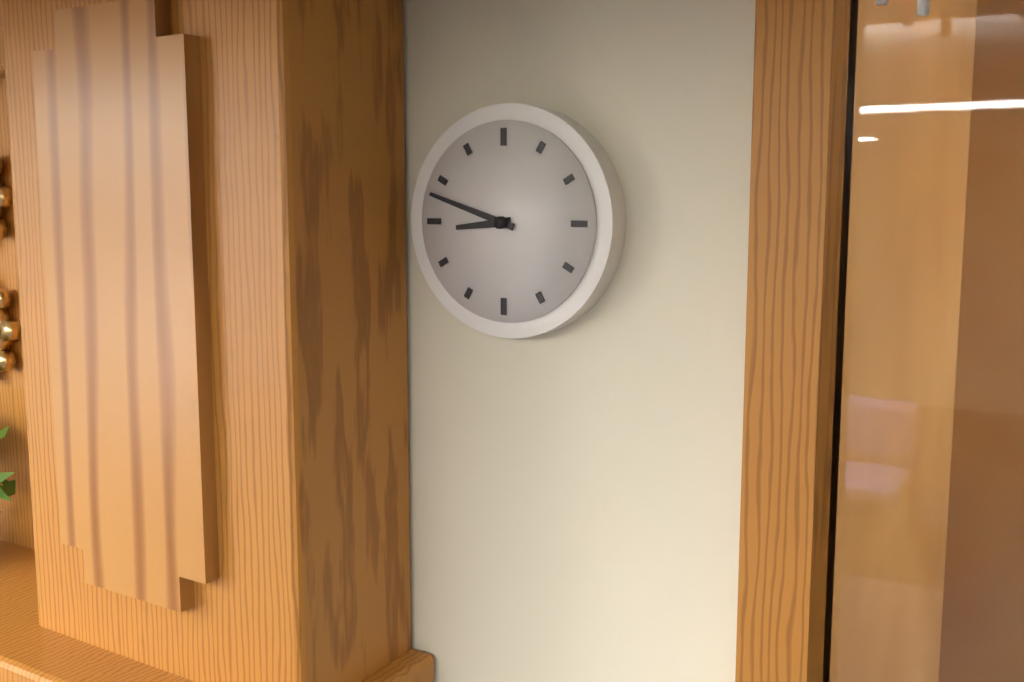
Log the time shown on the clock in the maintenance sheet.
8:48
